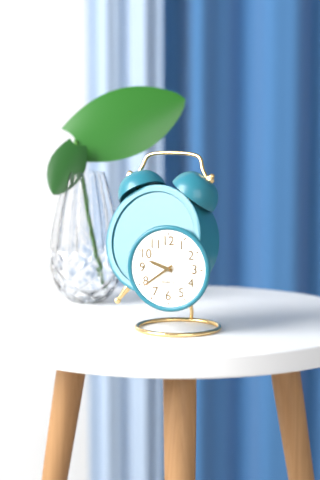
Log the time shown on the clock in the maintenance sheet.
9:39
